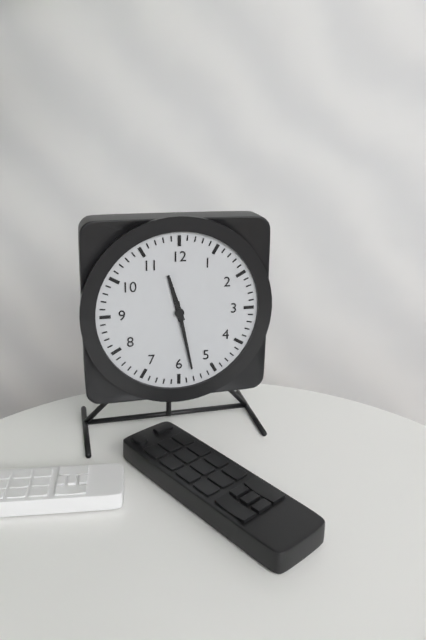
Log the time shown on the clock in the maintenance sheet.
11:28
